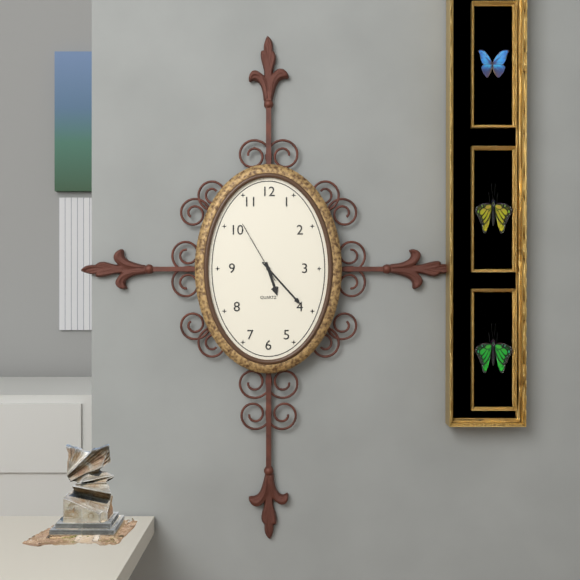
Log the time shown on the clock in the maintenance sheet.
5:23:55
